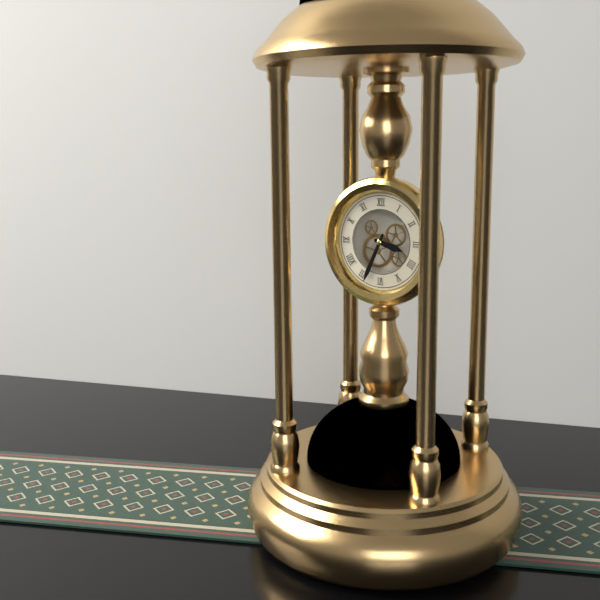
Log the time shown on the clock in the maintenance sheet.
3:34
